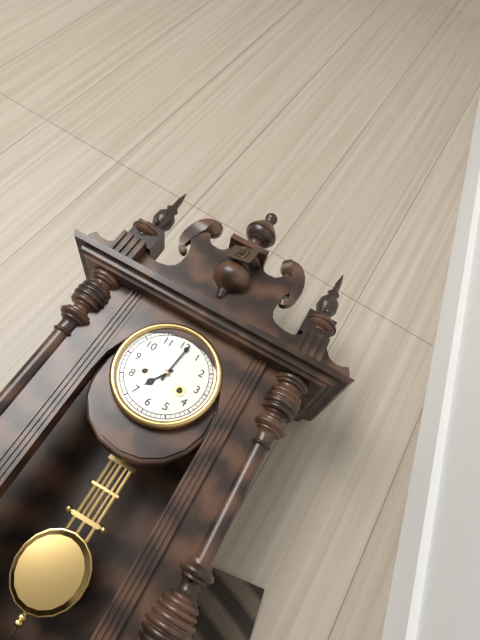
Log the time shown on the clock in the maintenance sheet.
7:01
